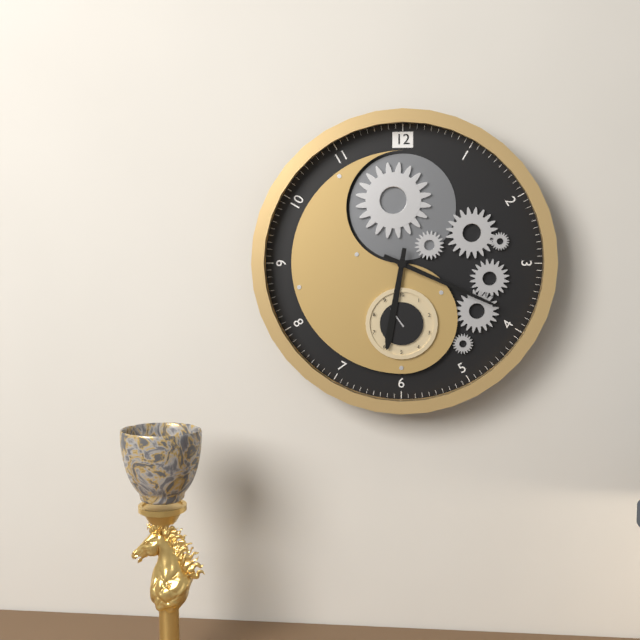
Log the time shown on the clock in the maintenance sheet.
6:19
